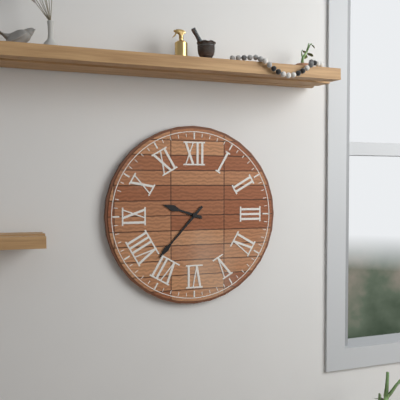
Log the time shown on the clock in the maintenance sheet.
9:37
